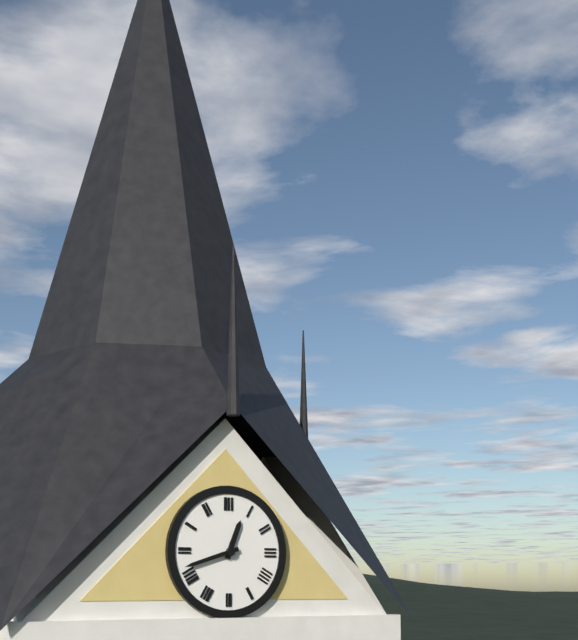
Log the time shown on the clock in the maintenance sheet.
12:42
